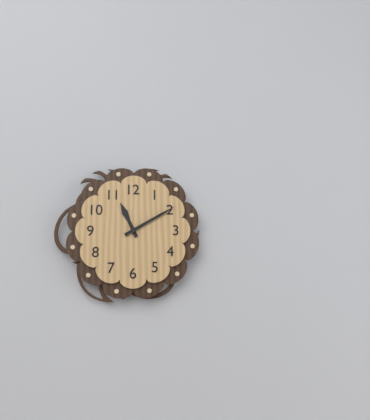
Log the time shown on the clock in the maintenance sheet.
11:10
